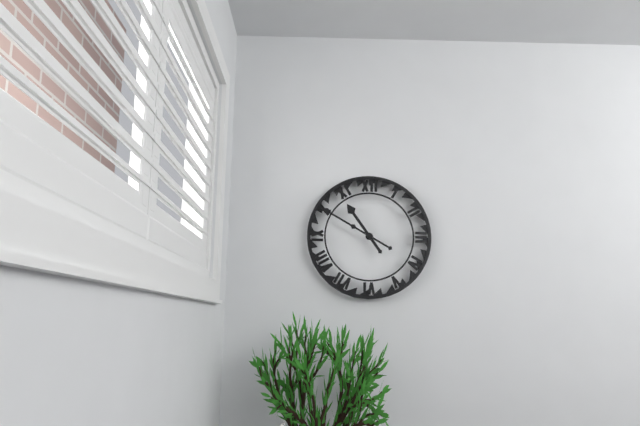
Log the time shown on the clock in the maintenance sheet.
10:50
